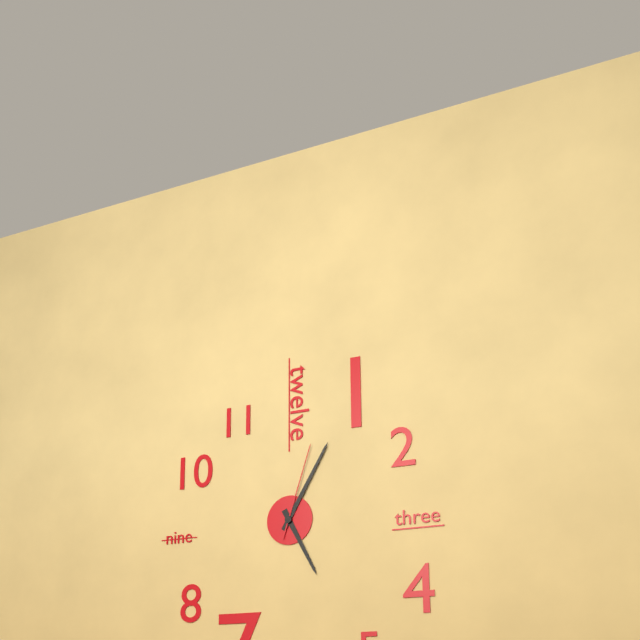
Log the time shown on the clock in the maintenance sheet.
5:05:03
